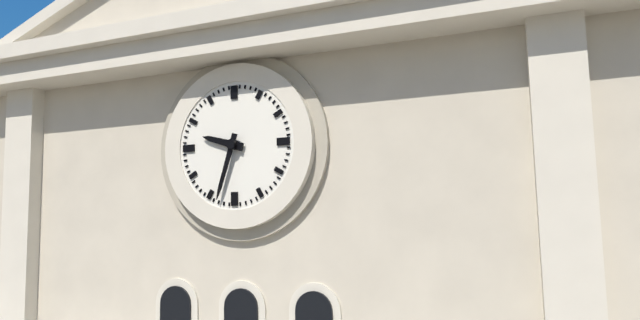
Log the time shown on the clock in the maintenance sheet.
9:33
